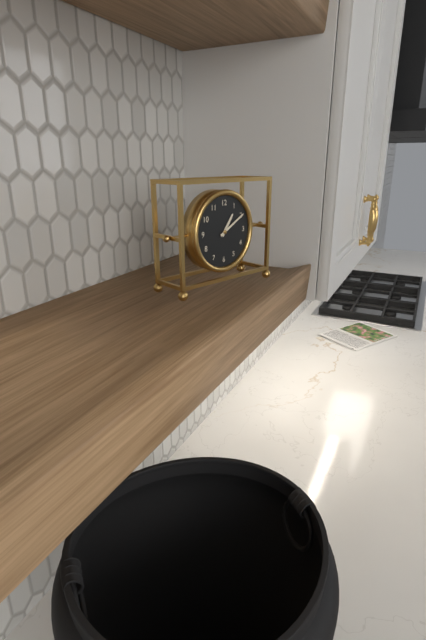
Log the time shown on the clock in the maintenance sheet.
1:10
